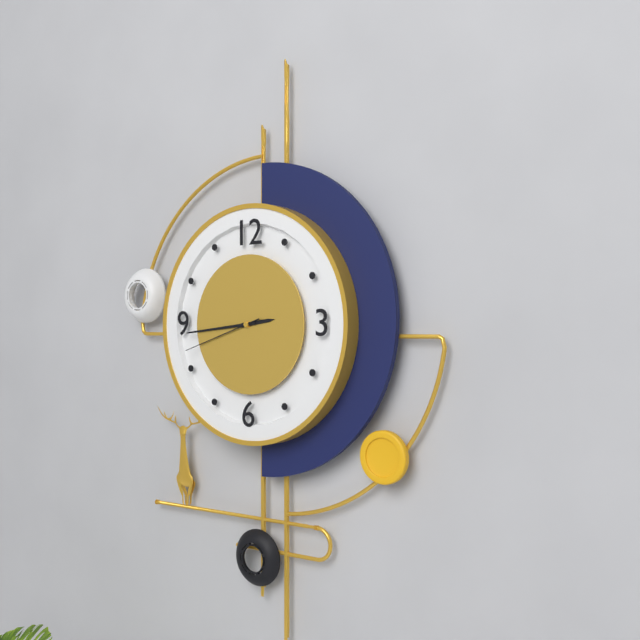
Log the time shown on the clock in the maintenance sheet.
2:44:42
